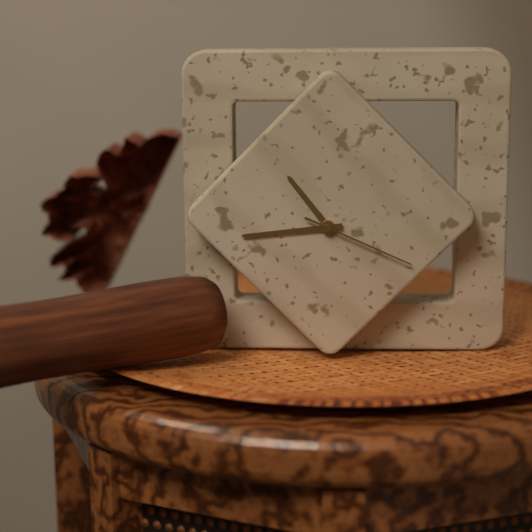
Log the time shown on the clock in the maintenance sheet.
10:44:19
